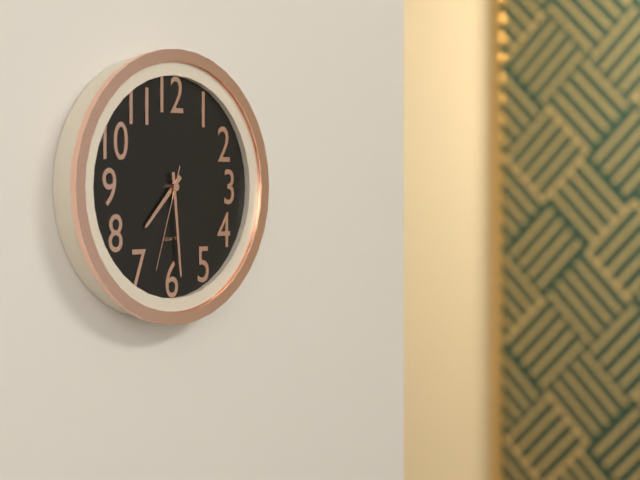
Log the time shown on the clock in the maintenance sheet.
7:29:33
